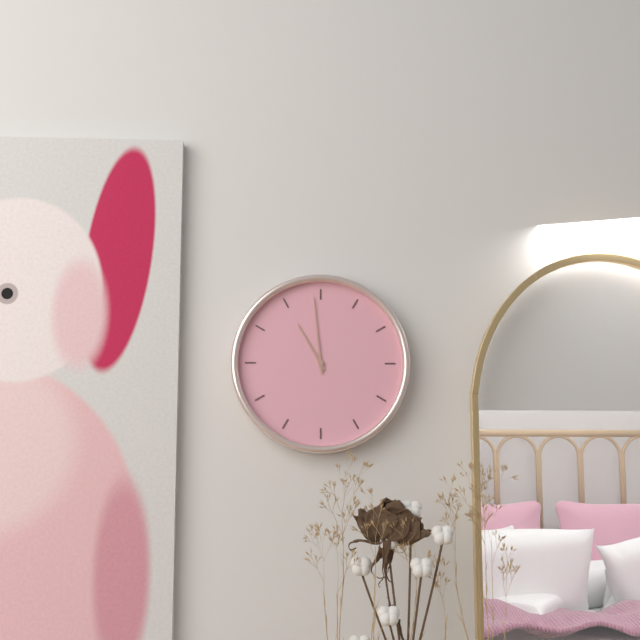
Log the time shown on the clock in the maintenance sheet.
10:59
